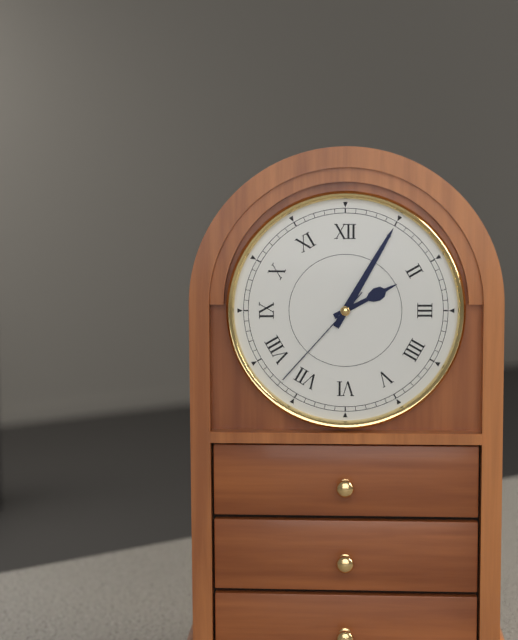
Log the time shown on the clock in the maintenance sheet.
2:05:37
